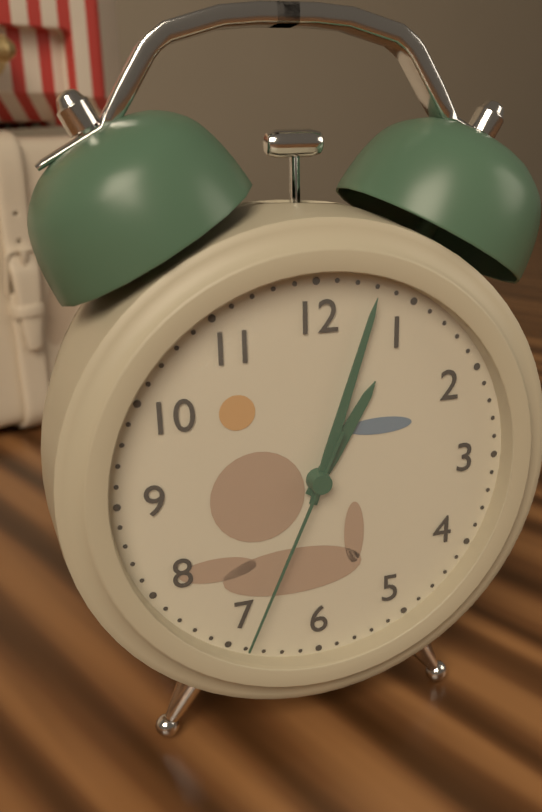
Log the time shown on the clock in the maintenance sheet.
1:03:34
